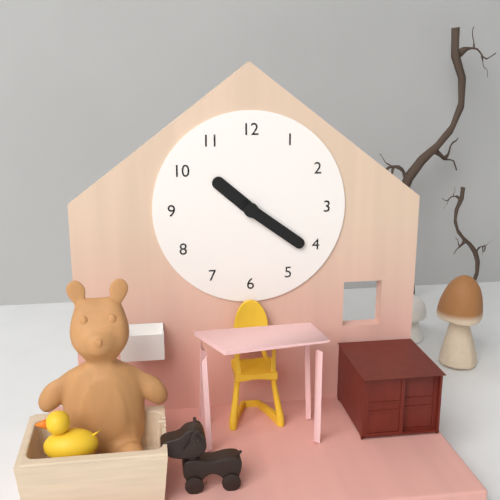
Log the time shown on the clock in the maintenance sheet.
10:21
